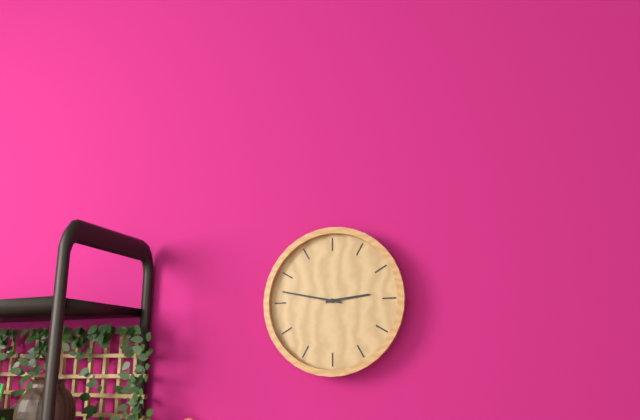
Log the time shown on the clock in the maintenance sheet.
2:47
